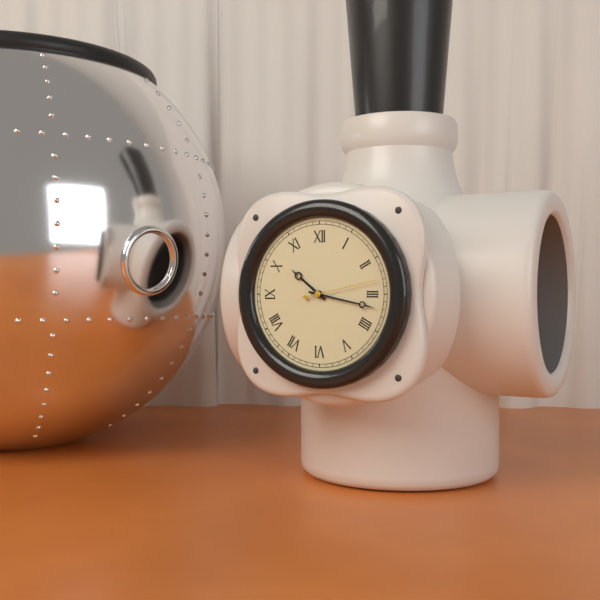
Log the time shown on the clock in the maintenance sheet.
10:17:13
